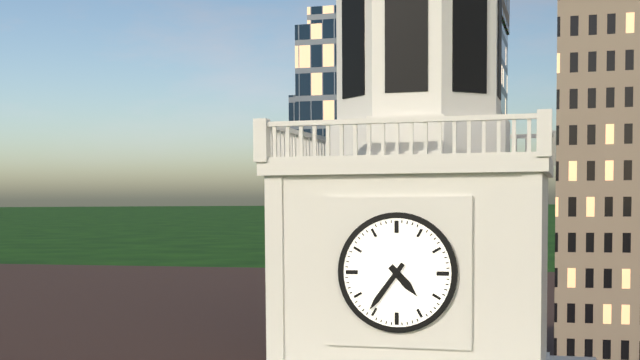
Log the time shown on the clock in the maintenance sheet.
4:36
